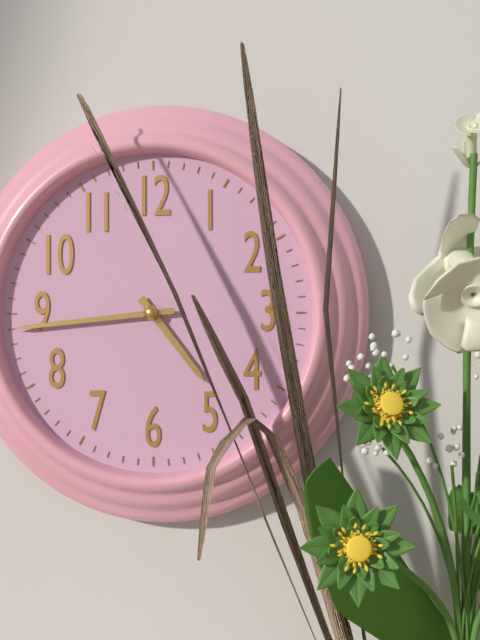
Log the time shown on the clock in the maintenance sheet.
4:44
